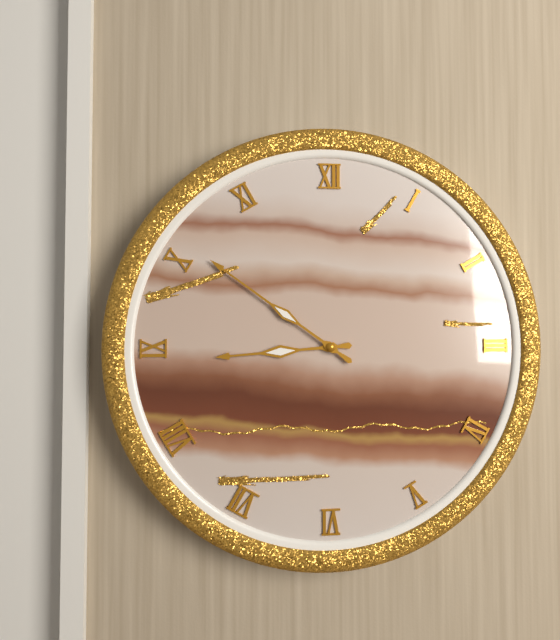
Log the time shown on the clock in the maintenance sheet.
8:51
